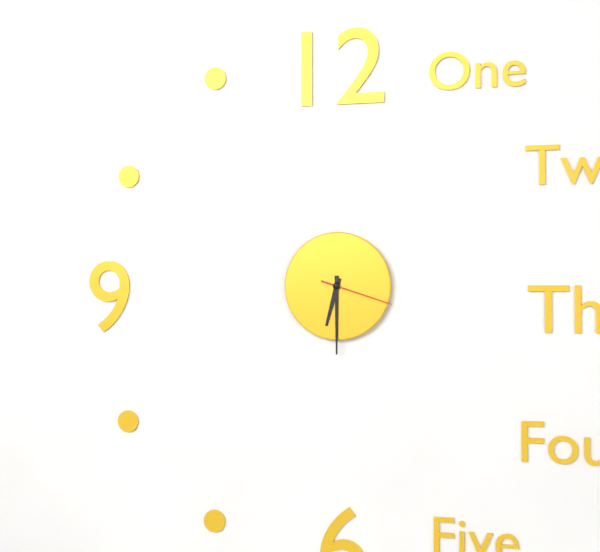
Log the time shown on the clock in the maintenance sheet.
6:30:18
